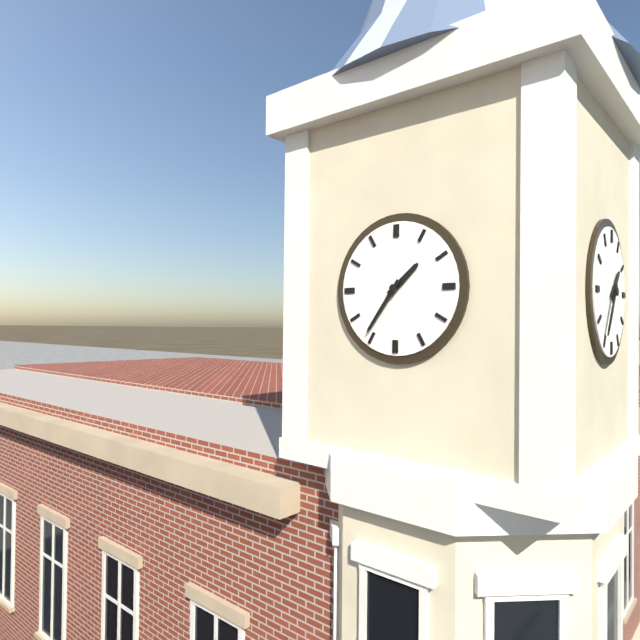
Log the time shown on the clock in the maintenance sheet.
1:36
